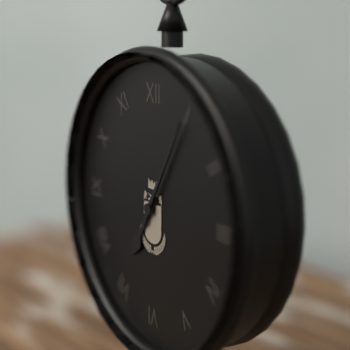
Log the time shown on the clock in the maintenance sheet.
7:05
